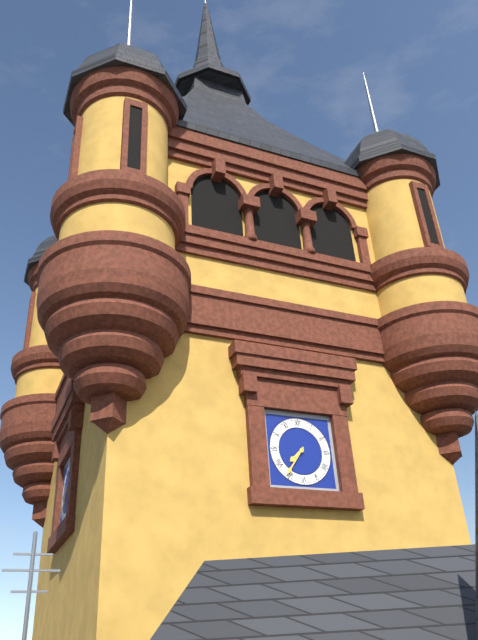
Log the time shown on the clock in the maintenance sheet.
7:36
